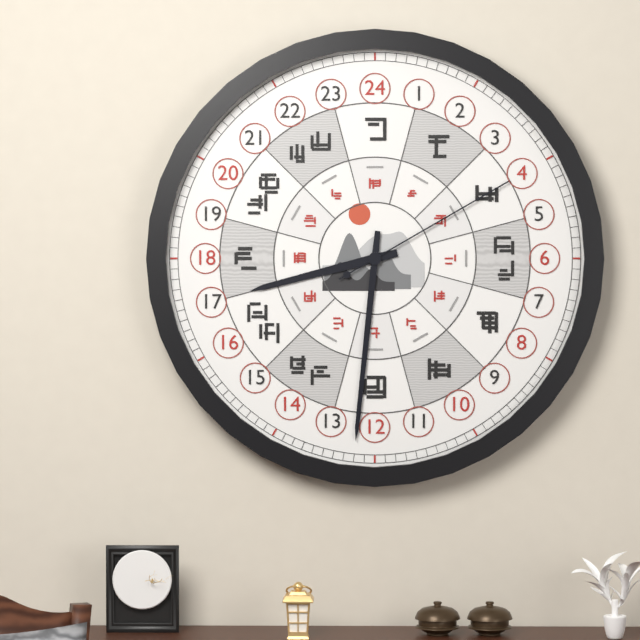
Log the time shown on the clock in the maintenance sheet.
8:31:10
